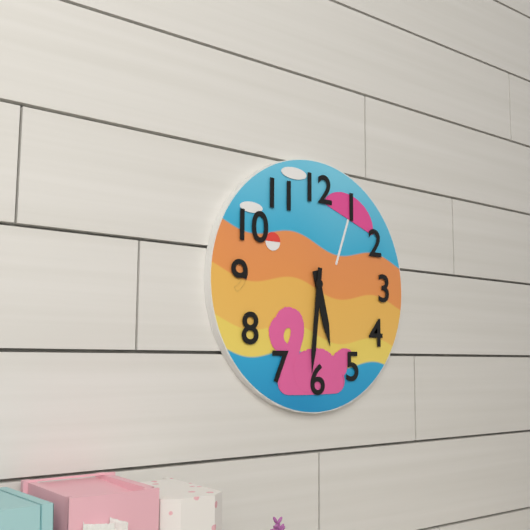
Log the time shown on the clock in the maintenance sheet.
5:31
